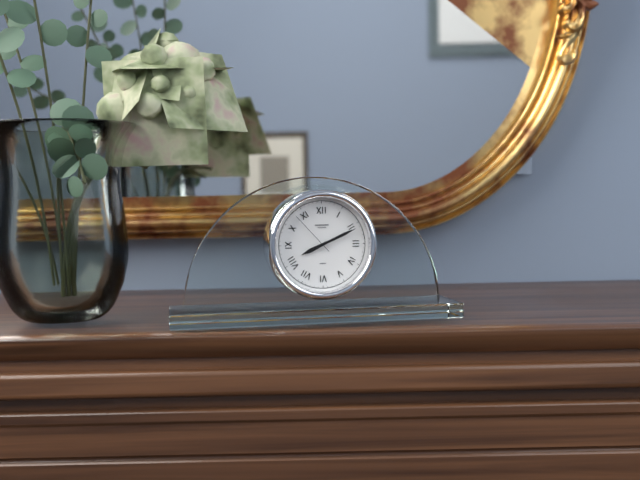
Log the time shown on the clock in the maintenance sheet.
8:11
